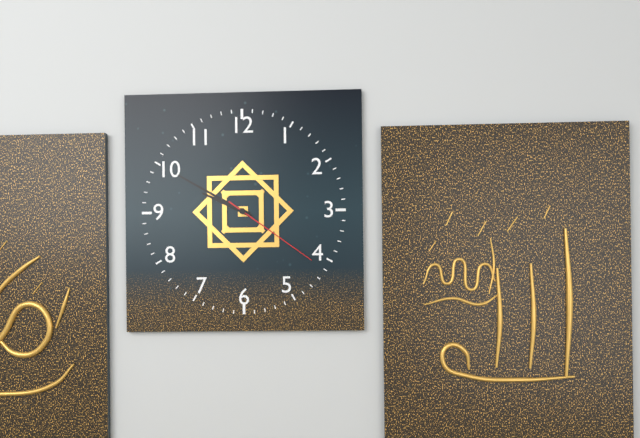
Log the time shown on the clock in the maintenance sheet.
9:50:21
